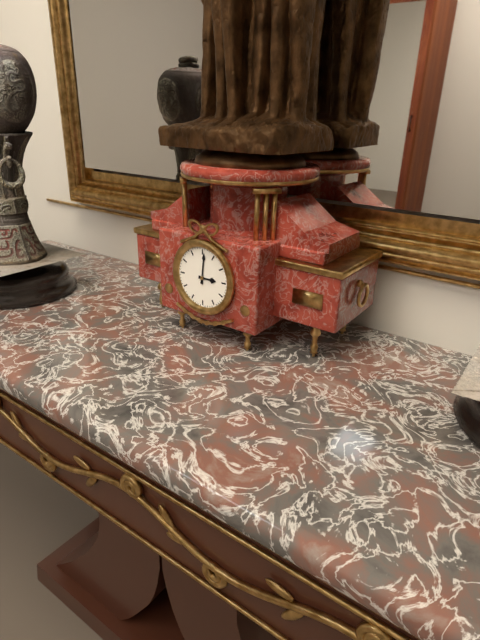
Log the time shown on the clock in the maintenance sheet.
3:01
